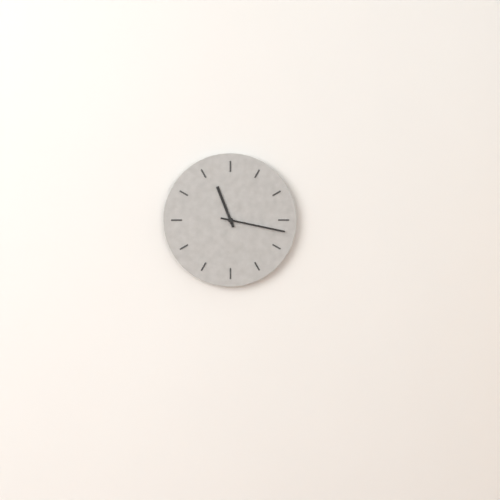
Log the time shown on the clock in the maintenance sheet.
11:17
